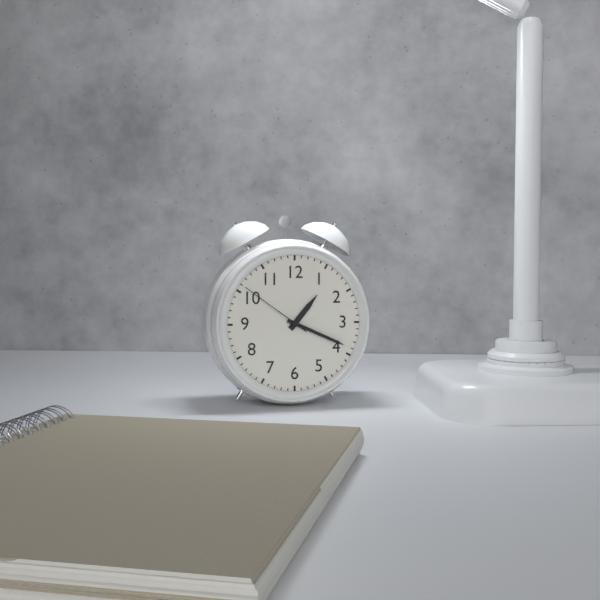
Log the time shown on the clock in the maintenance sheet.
1:19:51
